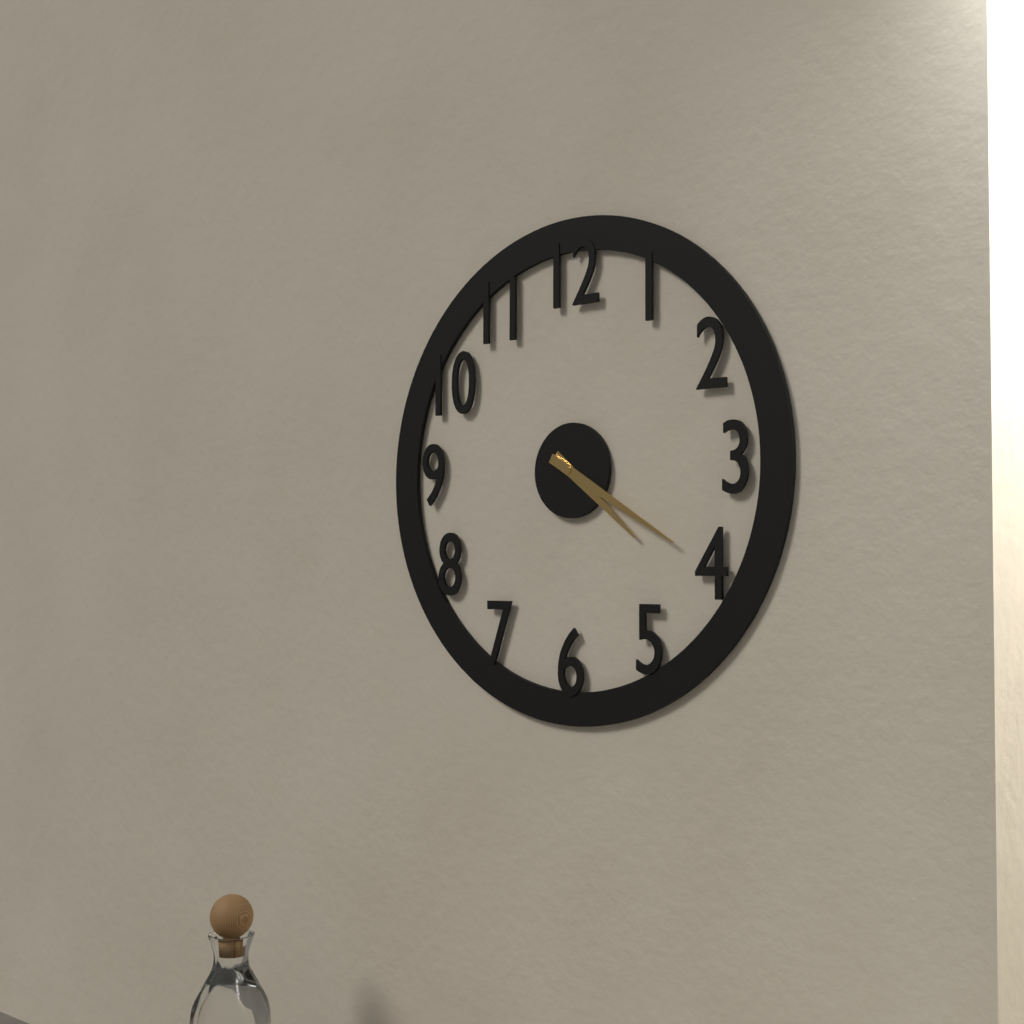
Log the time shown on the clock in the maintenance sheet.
4:20
